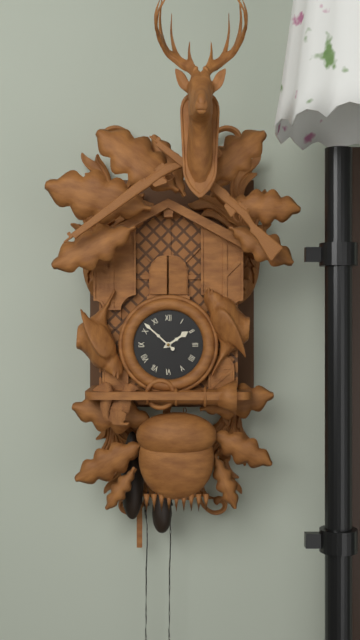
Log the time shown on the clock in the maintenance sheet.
1:52
